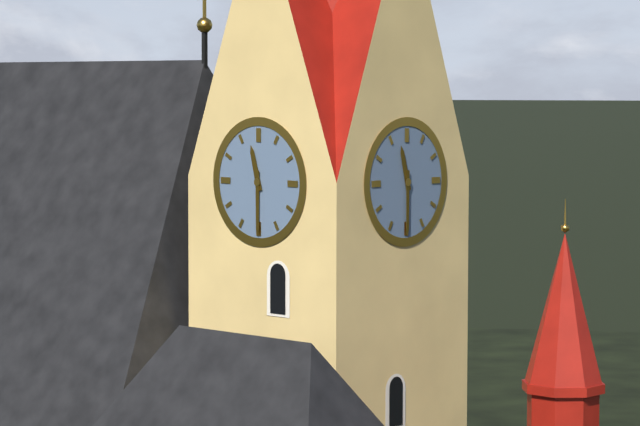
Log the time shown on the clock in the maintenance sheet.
11:30
